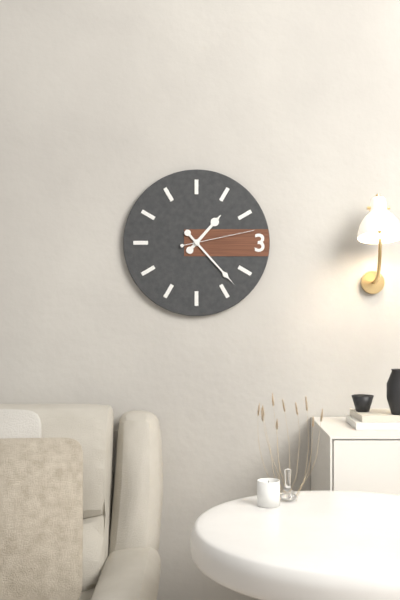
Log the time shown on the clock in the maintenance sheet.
1:23:13
